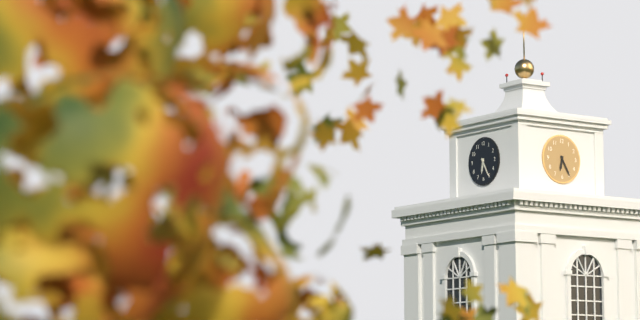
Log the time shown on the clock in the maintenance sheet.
6:25
